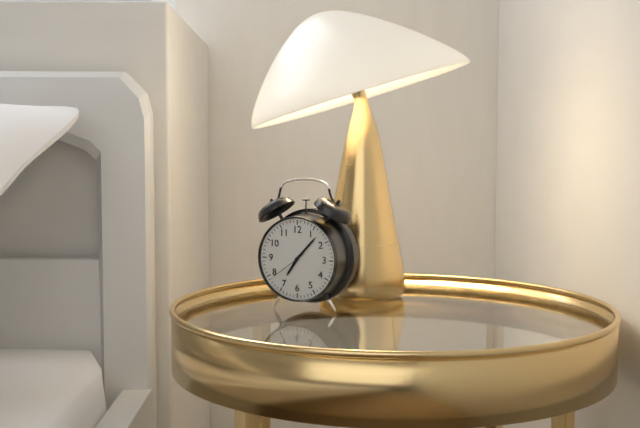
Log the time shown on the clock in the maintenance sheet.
7:07
